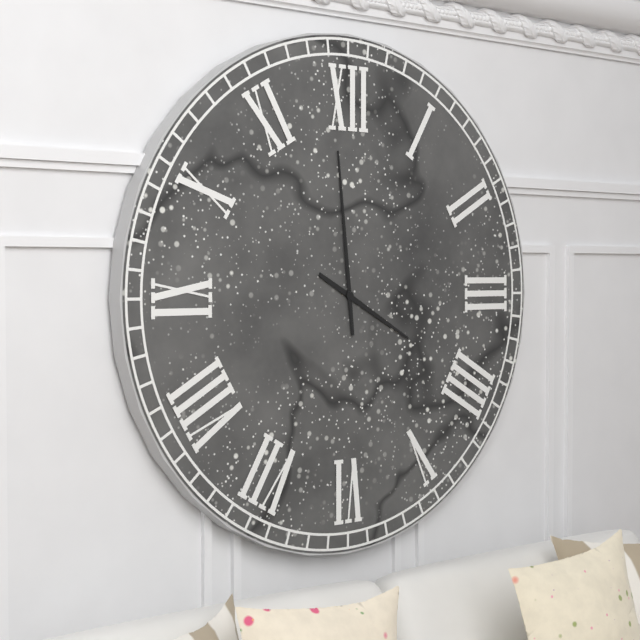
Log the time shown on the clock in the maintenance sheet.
3:59
